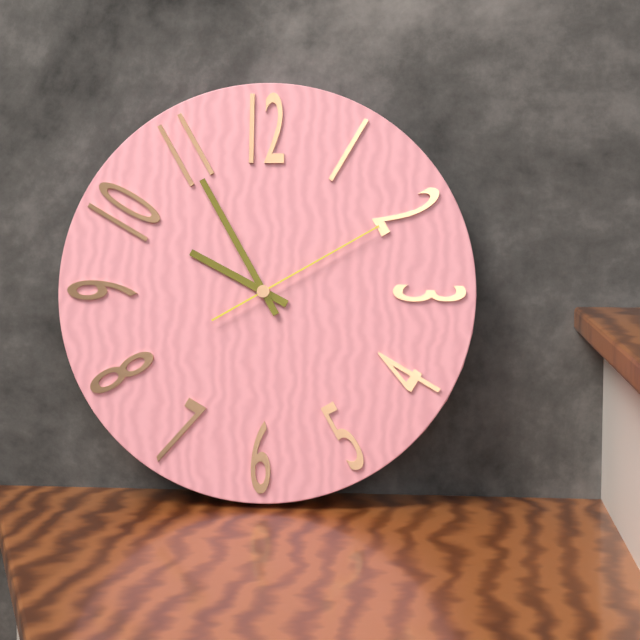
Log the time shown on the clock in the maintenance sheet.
9:55:10
